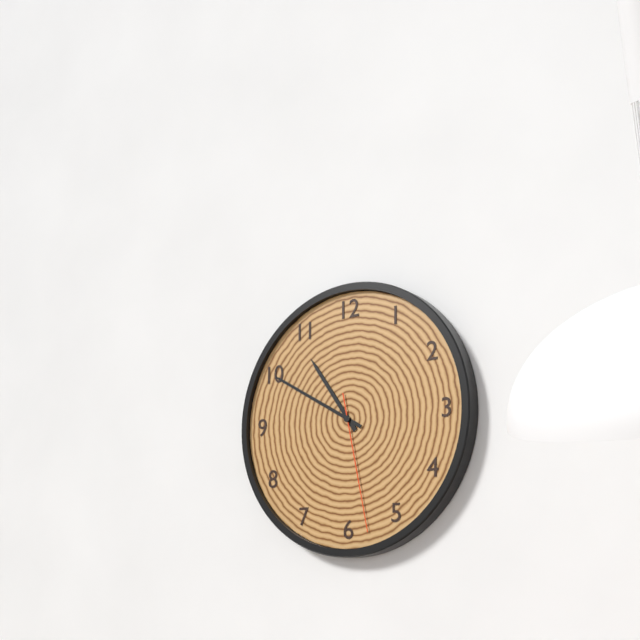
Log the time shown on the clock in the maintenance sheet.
10:50:28
